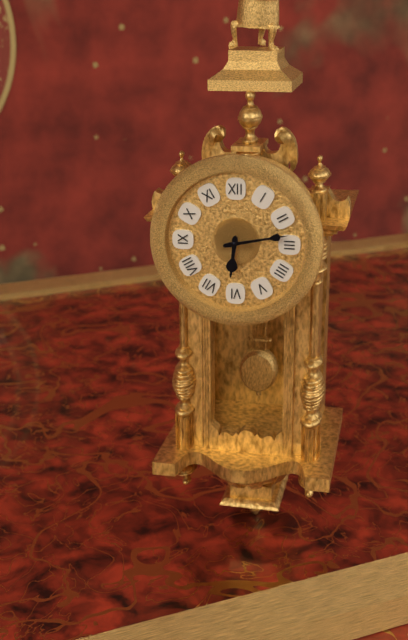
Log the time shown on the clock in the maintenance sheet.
6:13
